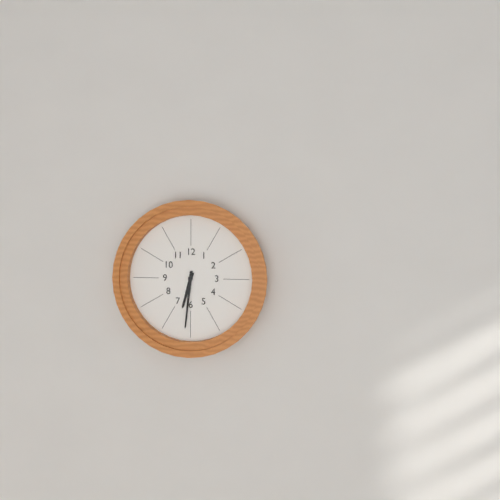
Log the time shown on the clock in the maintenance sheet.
6:31
